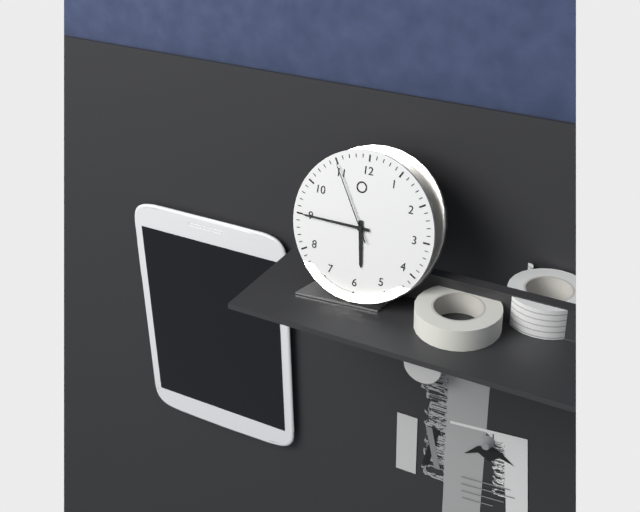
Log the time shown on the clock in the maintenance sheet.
5:45:55
